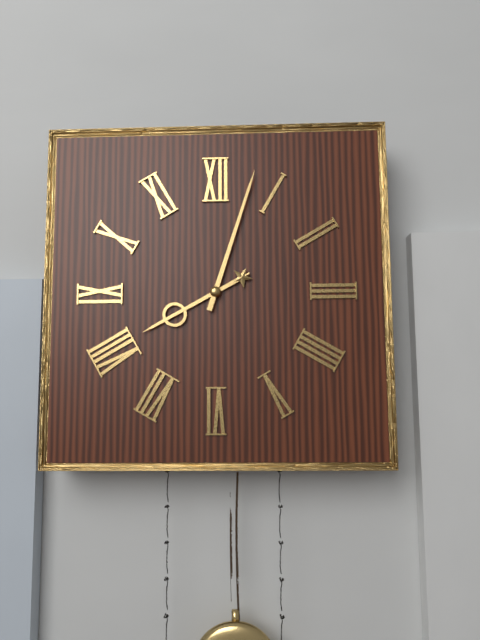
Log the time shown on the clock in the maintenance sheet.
8:03
